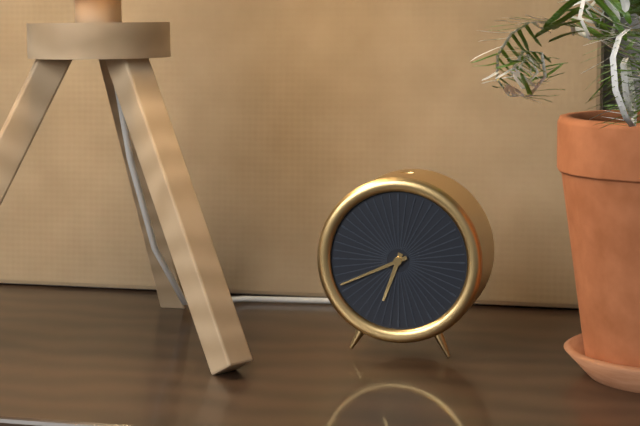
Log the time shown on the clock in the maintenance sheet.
6:41
